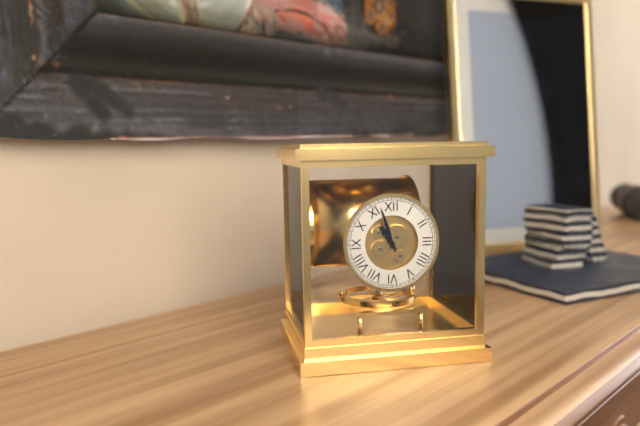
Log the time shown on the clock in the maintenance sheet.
10:57
